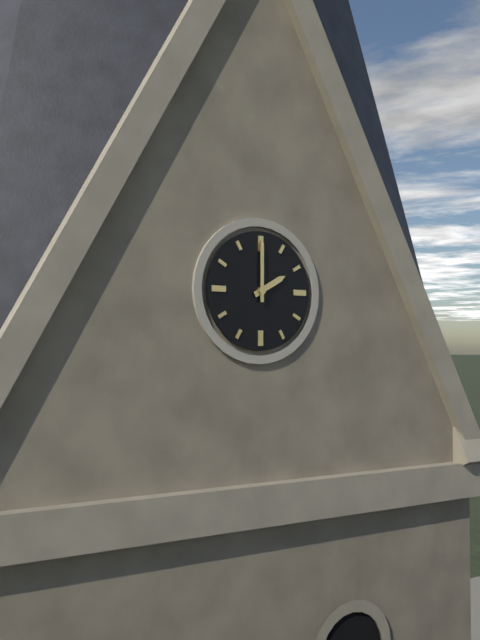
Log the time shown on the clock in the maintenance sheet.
2:00
